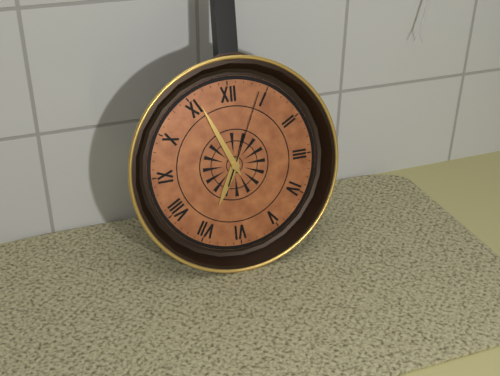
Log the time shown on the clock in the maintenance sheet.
6:56:04
